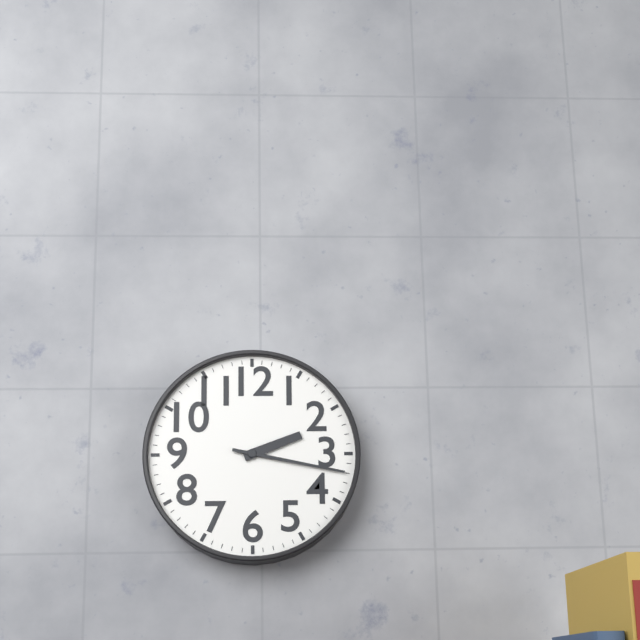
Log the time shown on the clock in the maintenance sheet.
2:17
